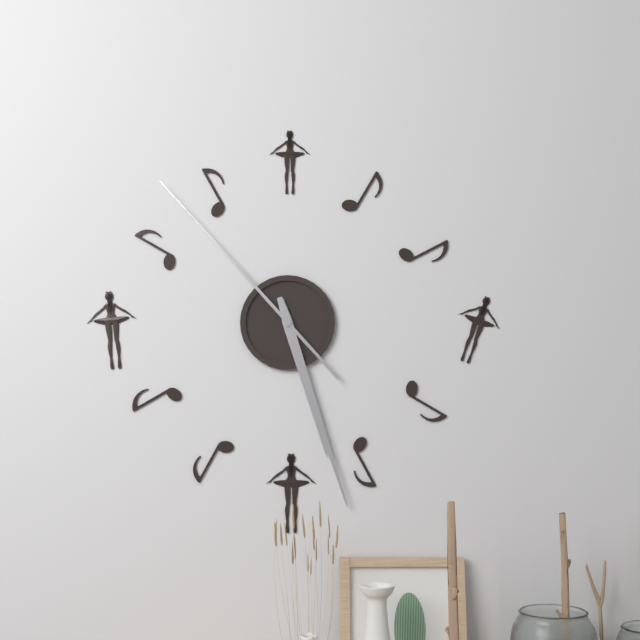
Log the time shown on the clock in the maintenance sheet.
5:27:53
